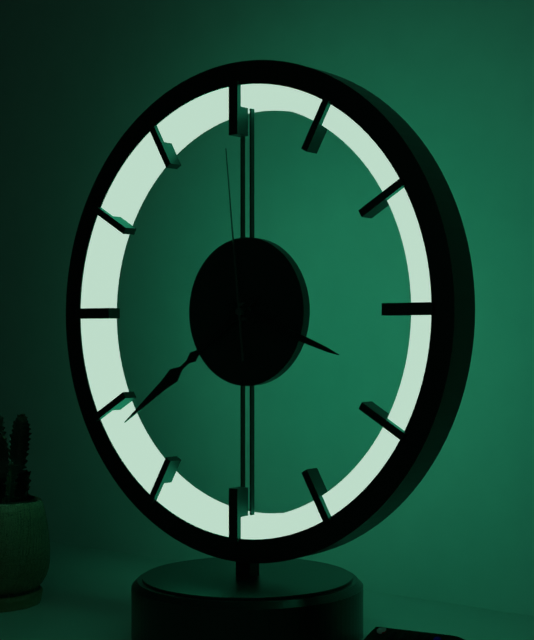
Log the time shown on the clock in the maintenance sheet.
3:39:59
